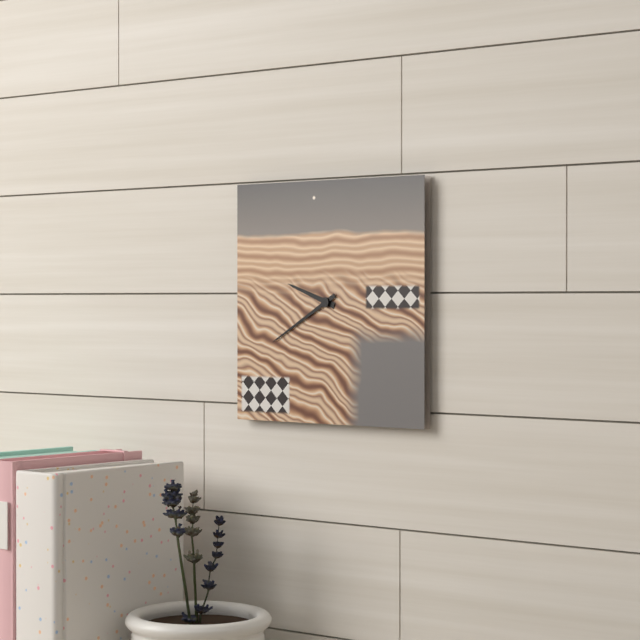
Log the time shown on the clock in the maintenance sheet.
9:40
